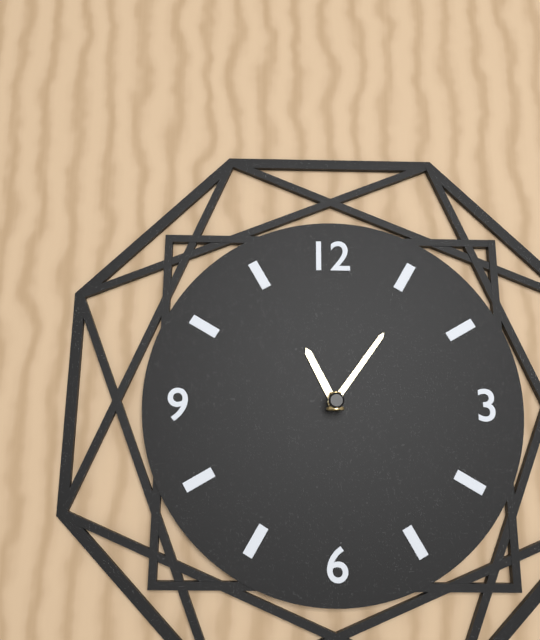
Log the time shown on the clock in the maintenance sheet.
11:06
